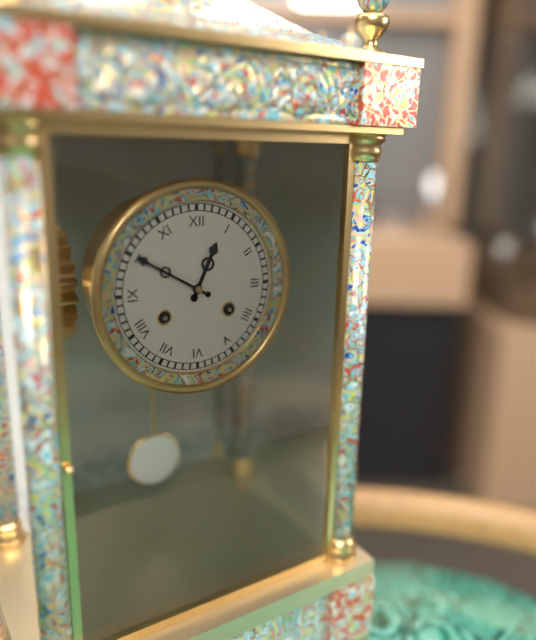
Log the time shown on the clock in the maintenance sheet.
12:50
